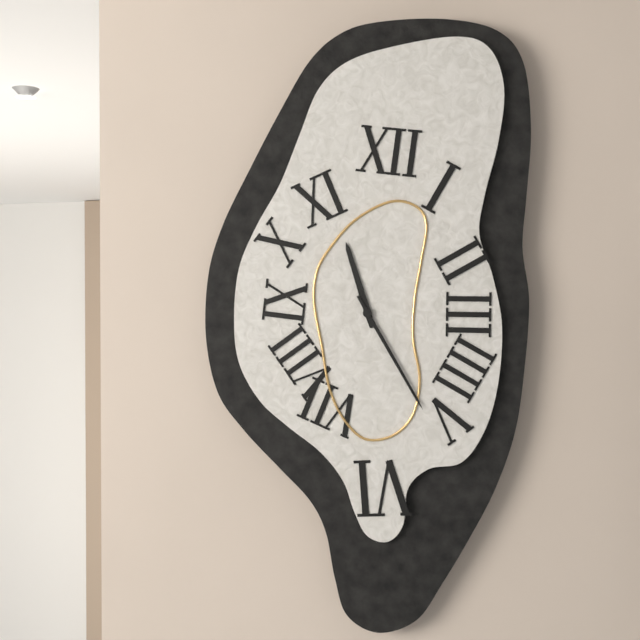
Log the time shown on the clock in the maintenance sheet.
11:25
